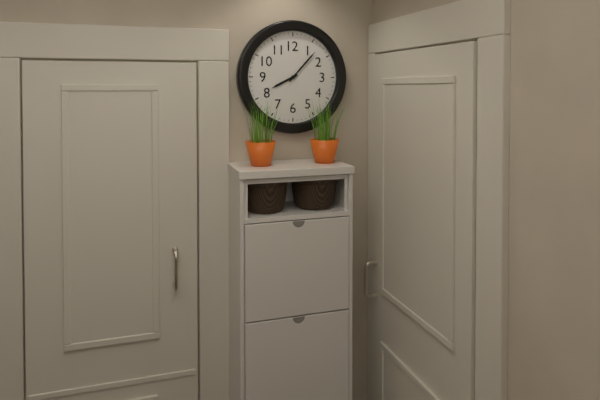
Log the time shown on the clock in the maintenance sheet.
8:07
